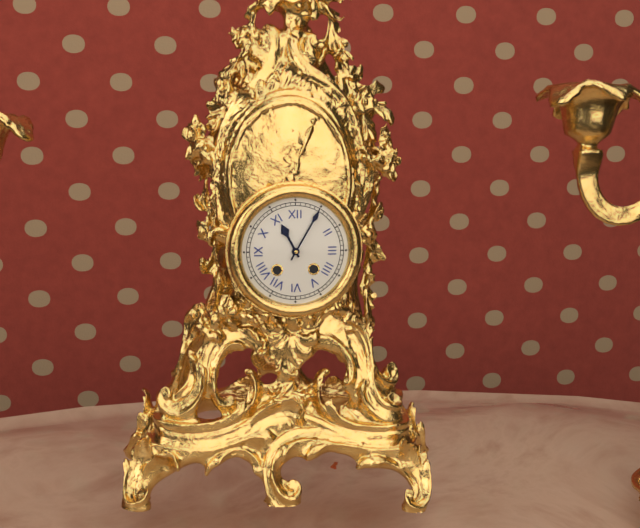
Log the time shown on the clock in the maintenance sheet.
11:05
